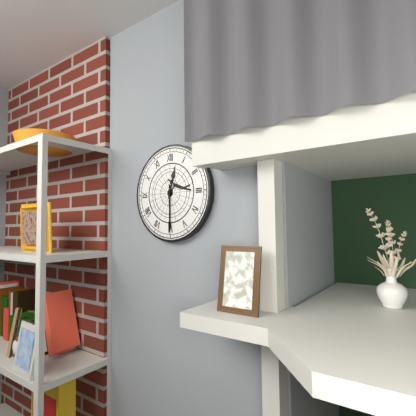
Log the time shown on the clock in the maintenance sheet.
12:30
